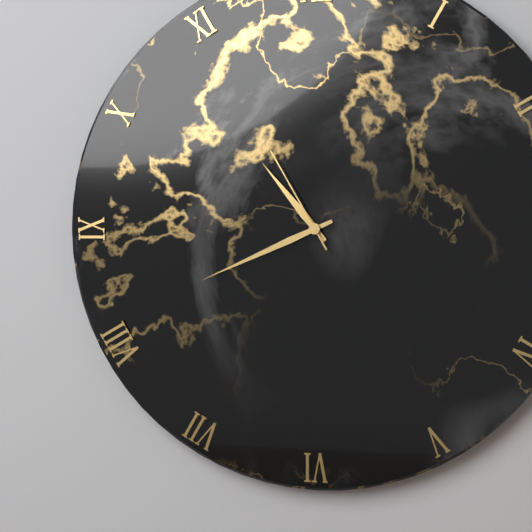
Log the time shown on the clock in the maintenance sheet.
10:41:55
